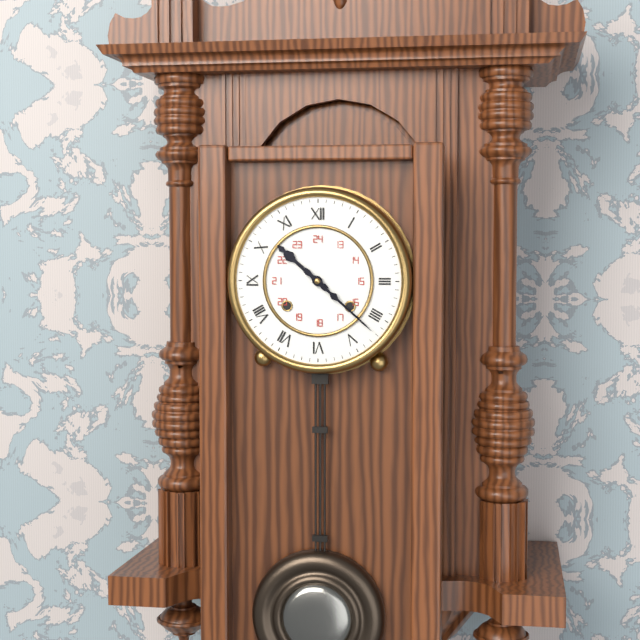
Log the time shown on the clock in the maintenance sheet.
10:22
